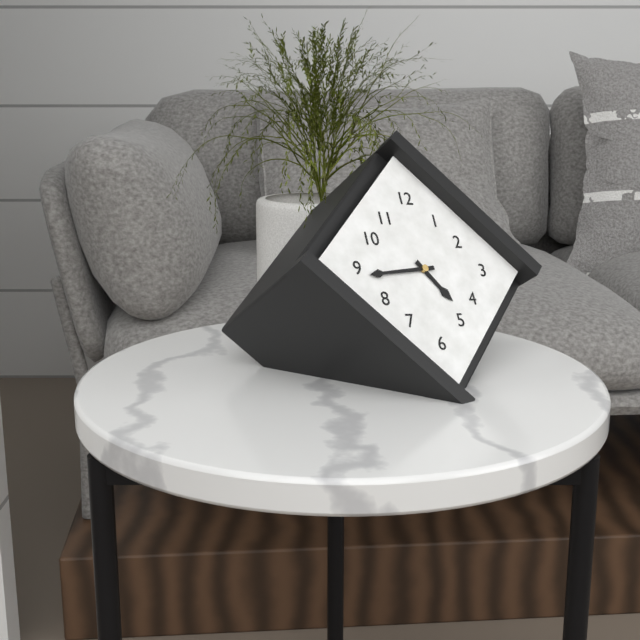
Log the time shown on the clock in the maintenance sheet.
4:44
